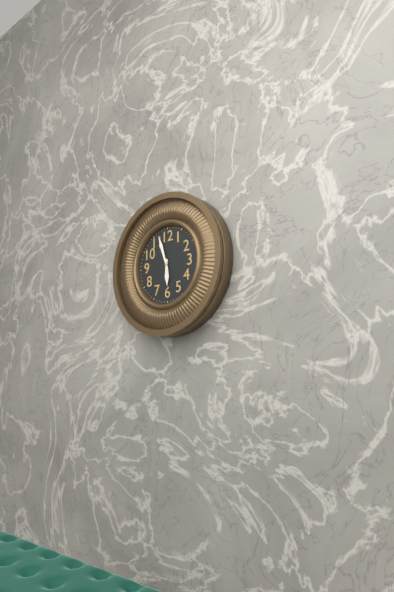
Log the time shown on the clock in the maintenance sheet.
5:57
